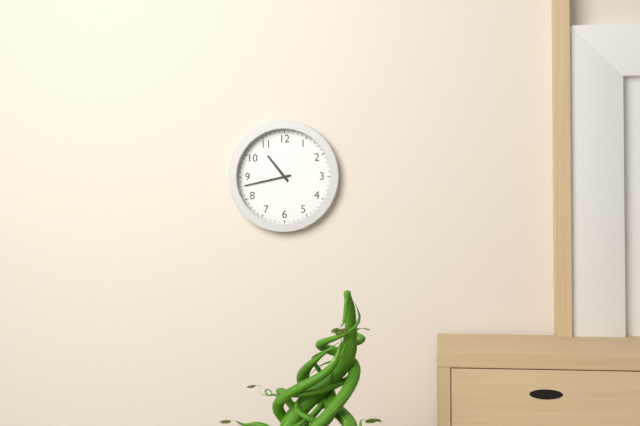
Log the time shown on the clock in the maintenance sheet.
10:43
